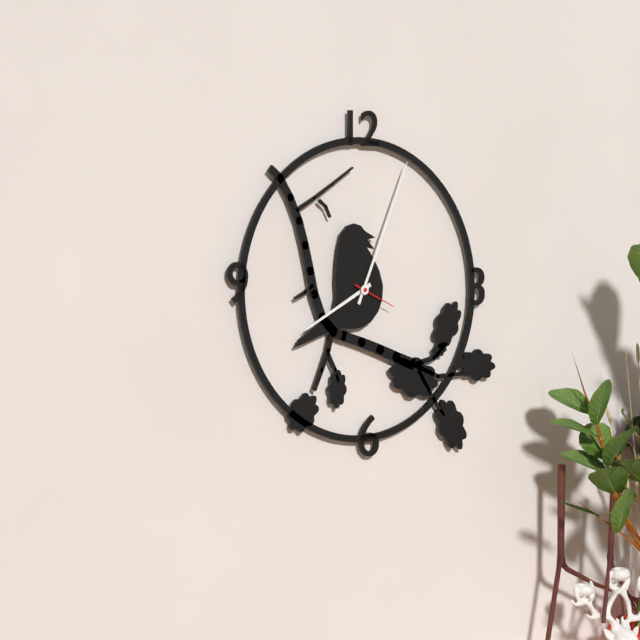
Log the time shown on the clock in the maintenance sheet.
8:04:19
